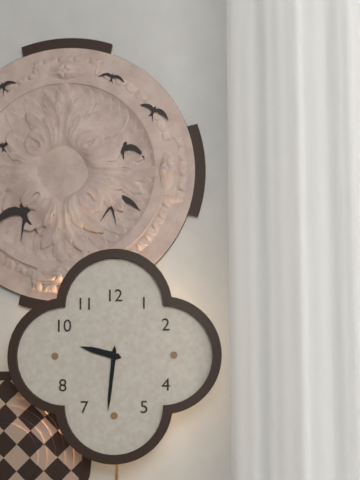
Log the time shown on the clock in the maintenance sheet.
9:31
